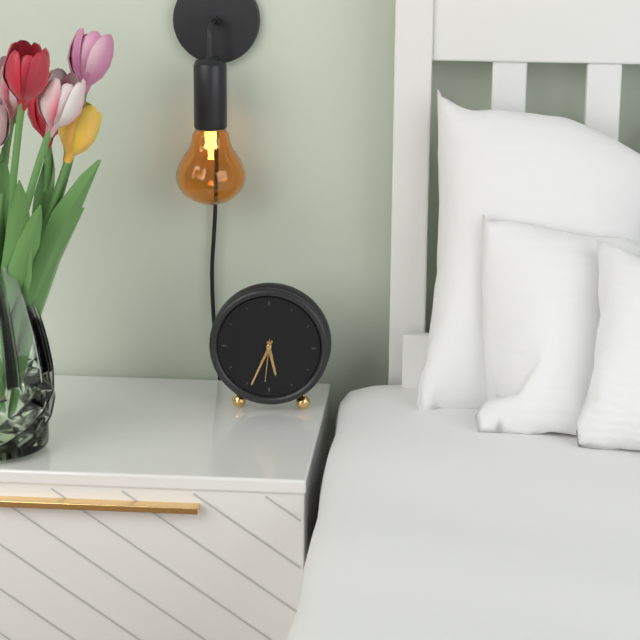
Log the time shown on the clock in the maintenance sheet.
5:34
